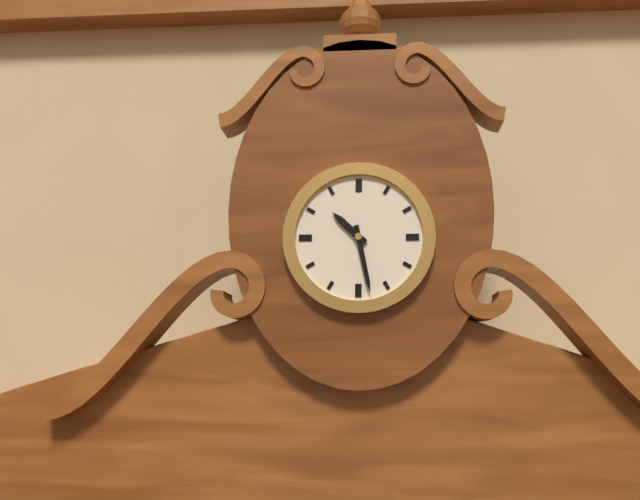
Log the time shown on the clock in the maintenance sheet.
10:28
